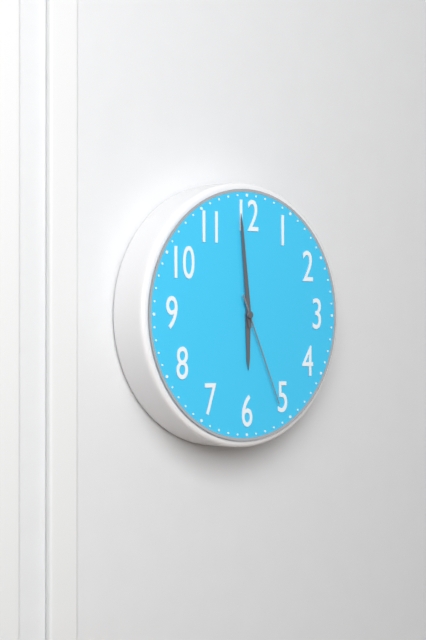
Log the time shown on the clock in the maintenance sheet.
5:59:26
